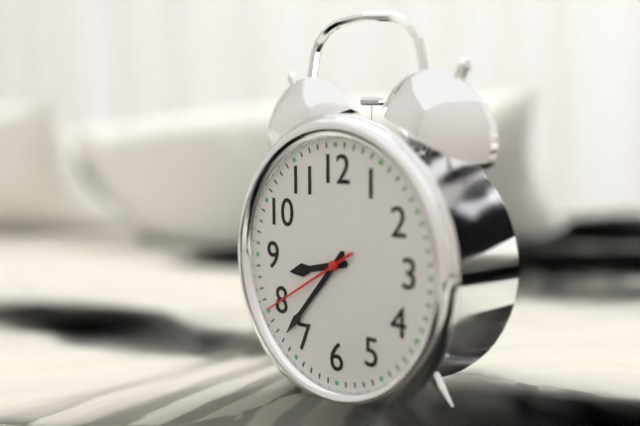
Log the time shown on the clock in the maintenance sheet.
8:37:40
